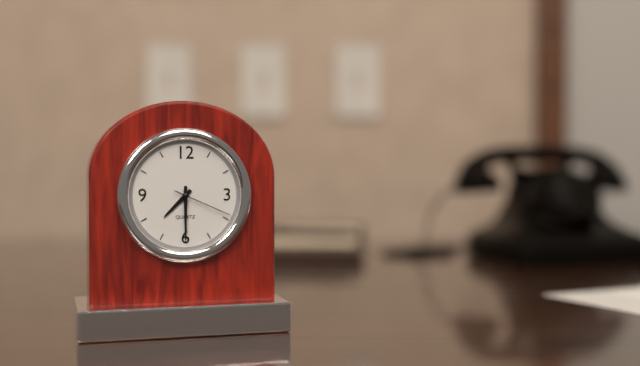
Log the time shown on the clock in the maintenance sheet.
7:30:19
